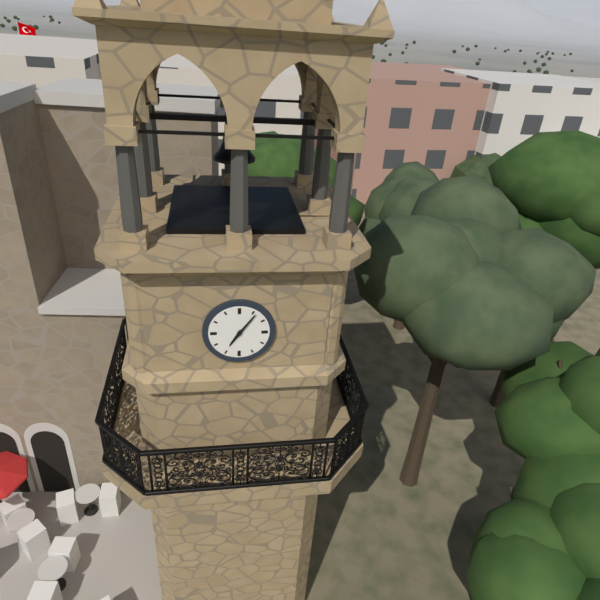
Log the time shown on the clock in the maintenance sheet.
7:06
